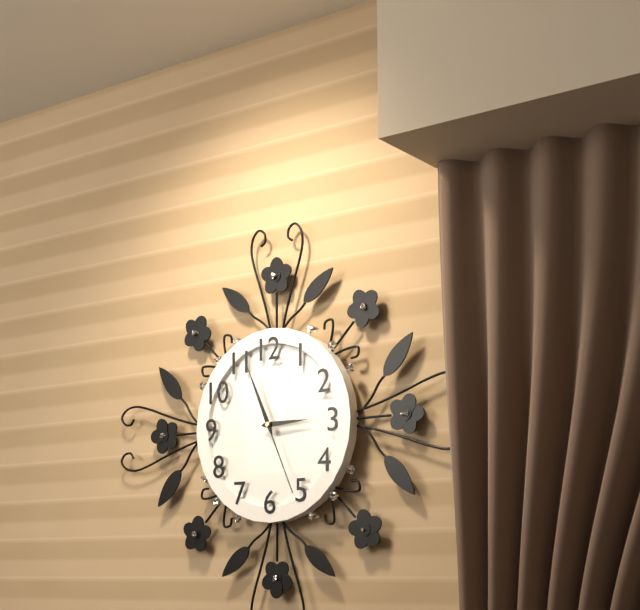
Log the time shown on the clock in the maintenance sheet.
2:56:26
